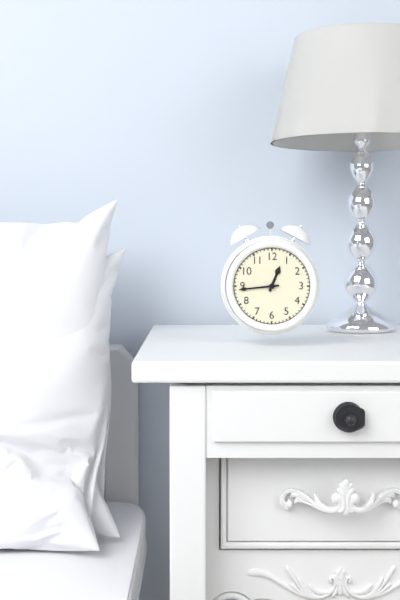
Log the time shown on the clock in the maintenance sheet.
12:44
